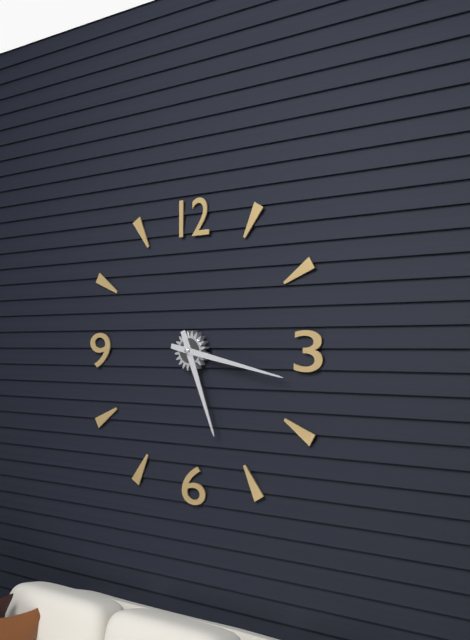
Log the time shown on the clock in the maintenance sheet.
5:17
